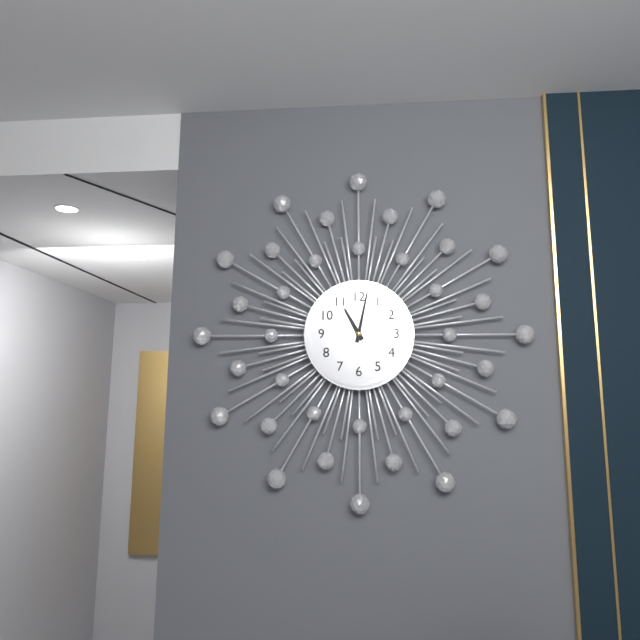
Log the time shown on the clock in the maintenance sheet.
11:02
